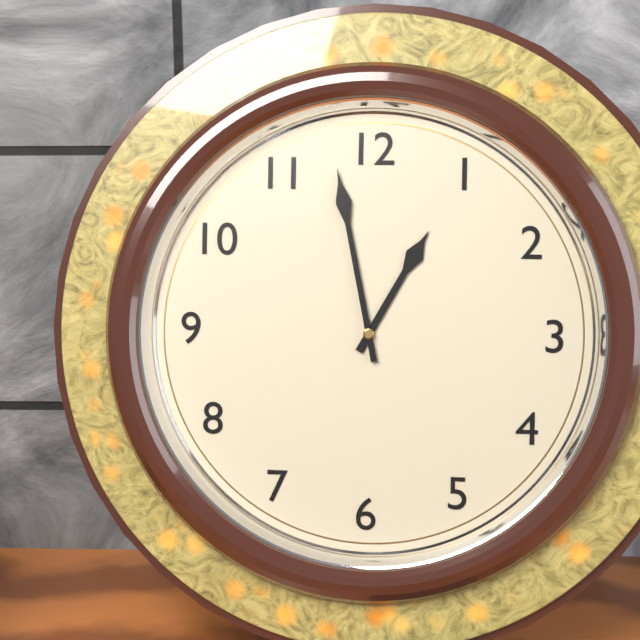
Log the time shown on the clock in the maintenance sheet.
12:58
